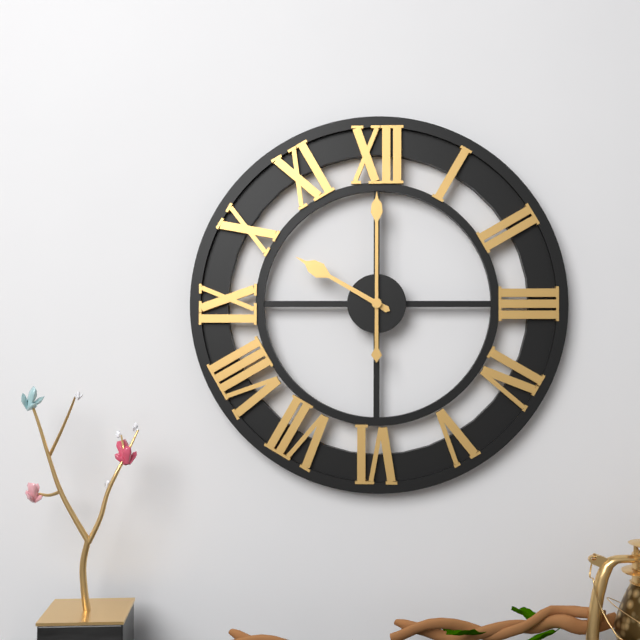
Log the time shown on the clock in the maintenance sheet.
10:00
